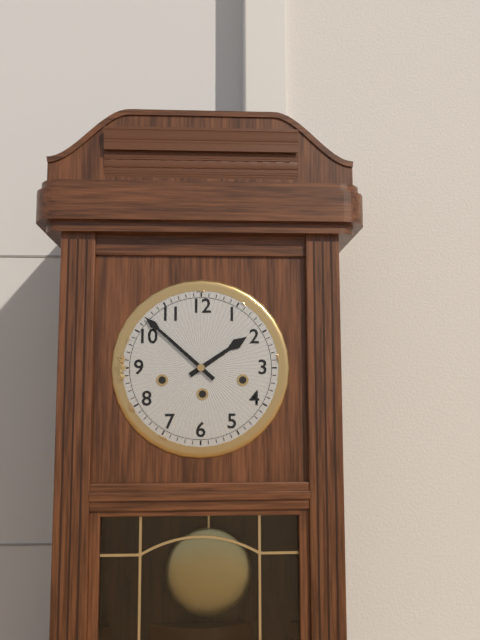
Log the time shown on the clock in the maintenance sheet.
1:52
